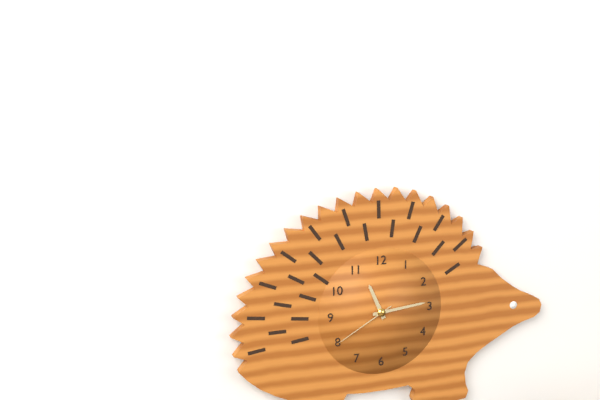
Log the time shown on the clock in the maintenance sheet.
11:14:40
